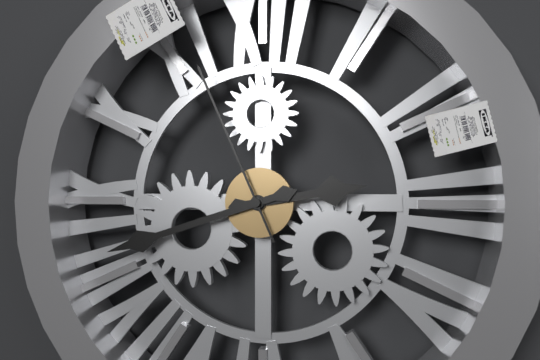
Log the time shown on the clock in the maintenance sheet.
2:42:56
